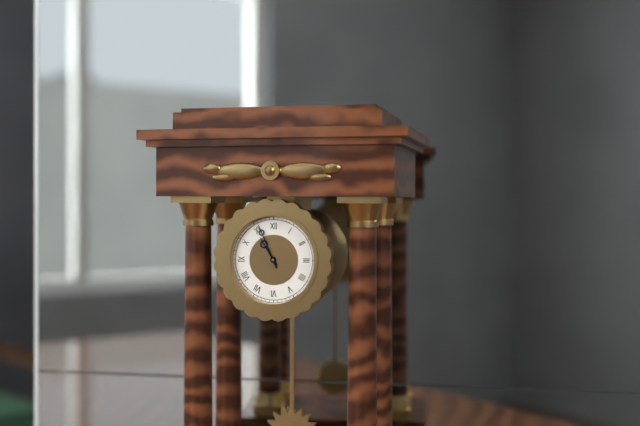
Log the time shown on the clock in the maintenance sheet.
10:56
